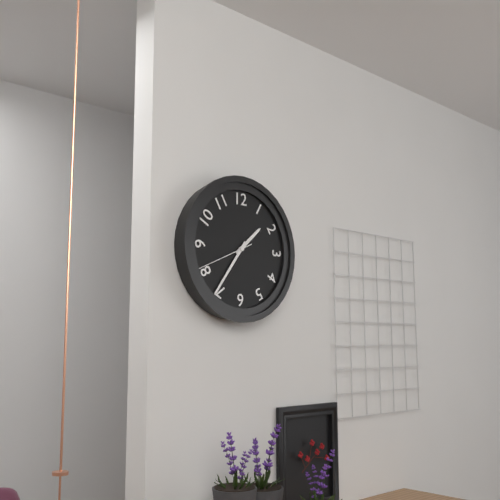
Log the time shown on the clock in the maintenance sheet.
1:36:41
